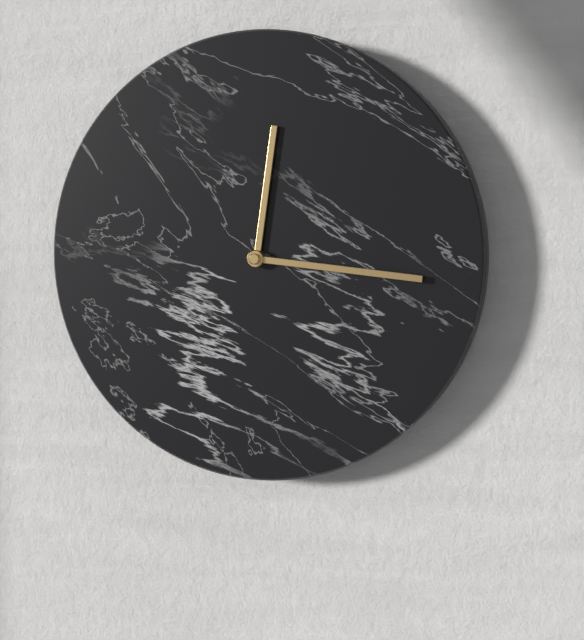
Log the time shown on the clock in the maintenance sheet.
12:16
